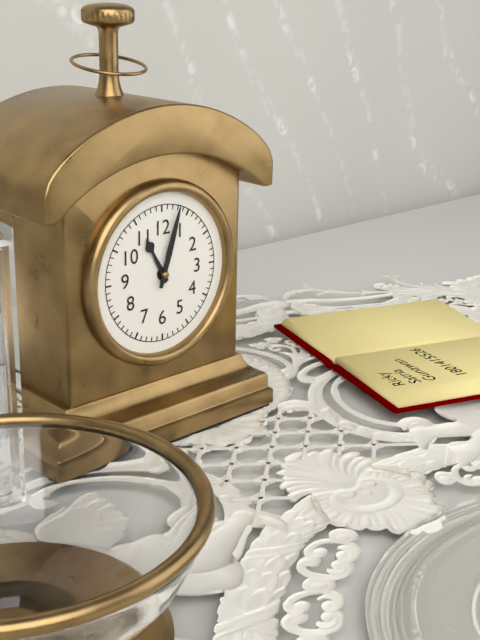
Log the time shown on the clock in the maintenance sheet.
11:03
